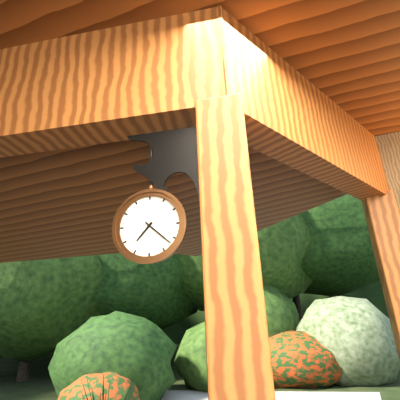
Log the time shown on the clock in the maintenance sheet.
7:22
